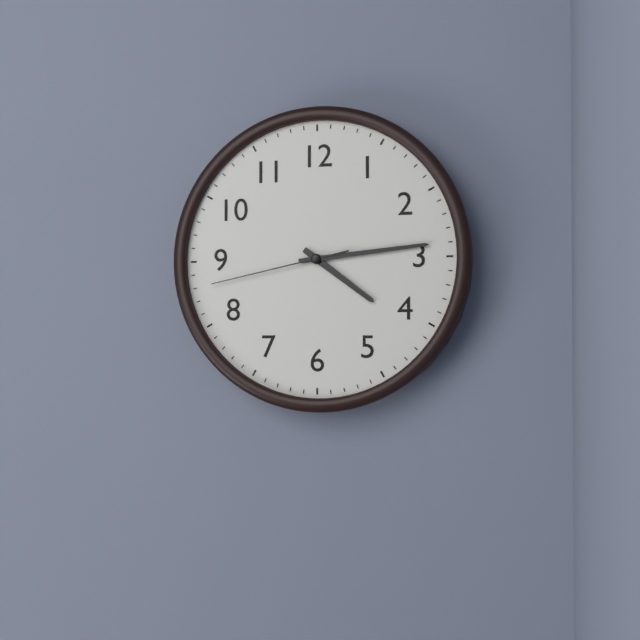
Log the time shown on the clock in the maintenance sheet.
4:14:43
